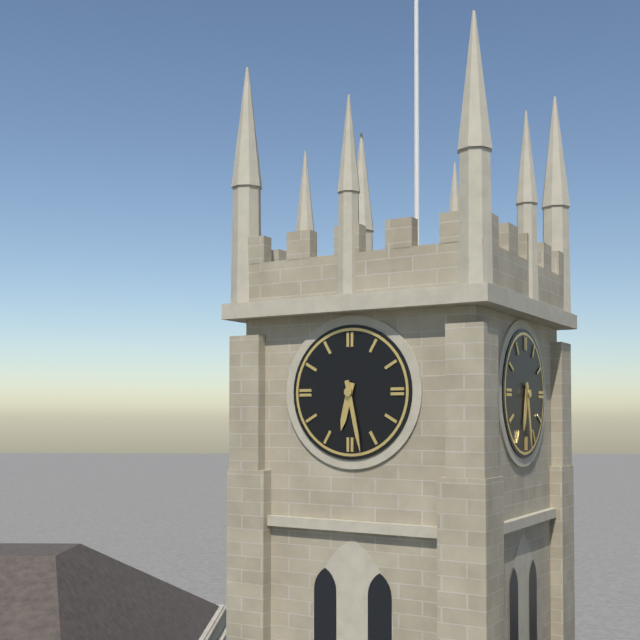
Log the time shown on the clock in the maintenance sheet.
6:28
